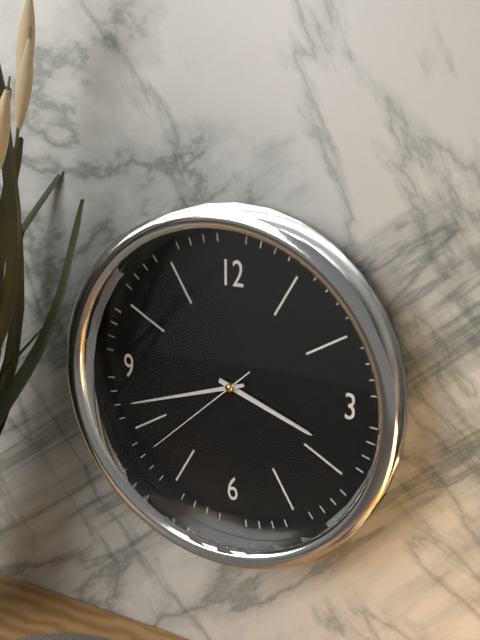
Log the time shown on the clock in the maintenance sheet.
3:42:38
